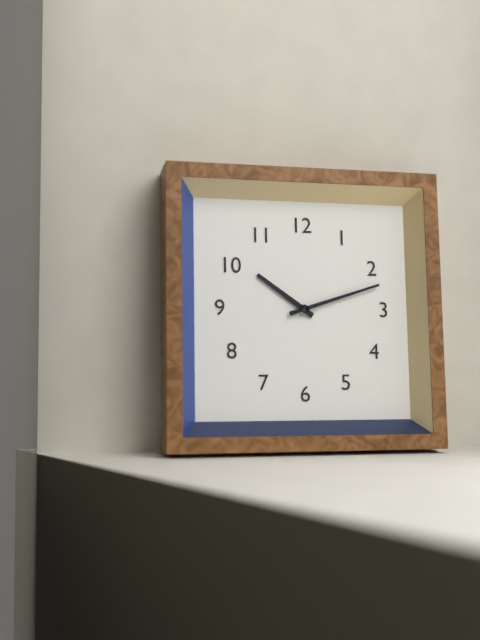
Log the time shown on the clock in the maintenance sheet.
10:12
